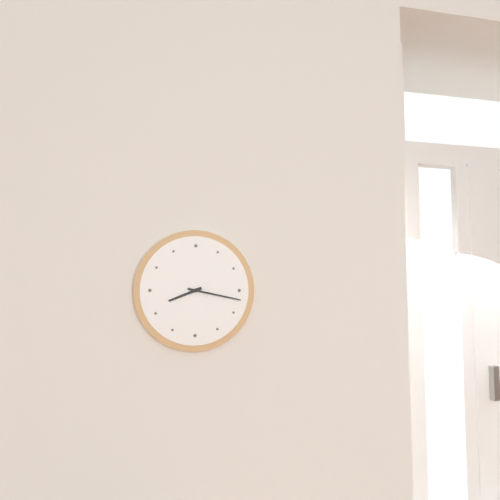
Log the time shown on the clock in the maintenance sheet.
8:17
